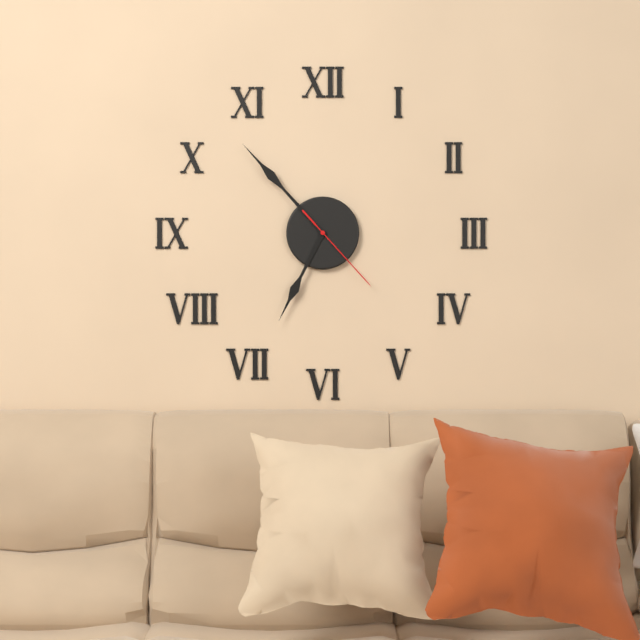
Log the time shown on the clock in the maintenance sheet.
6:53:23
